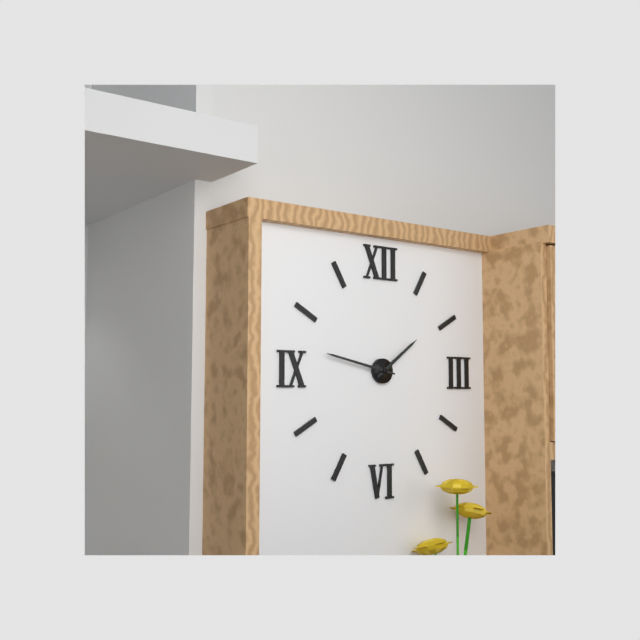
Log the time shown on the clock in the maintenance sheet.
1:47
